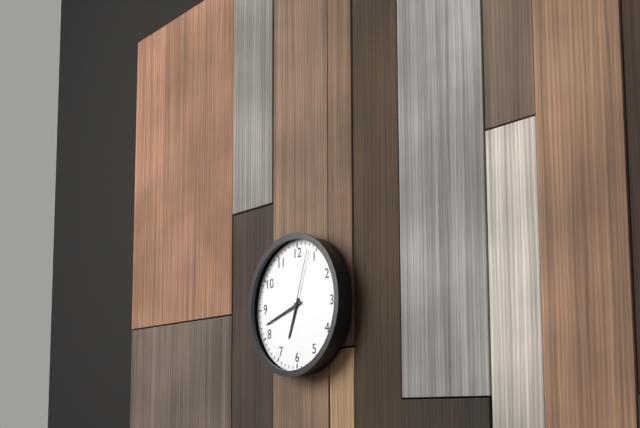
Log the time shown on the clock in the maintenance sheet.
6:42:03
